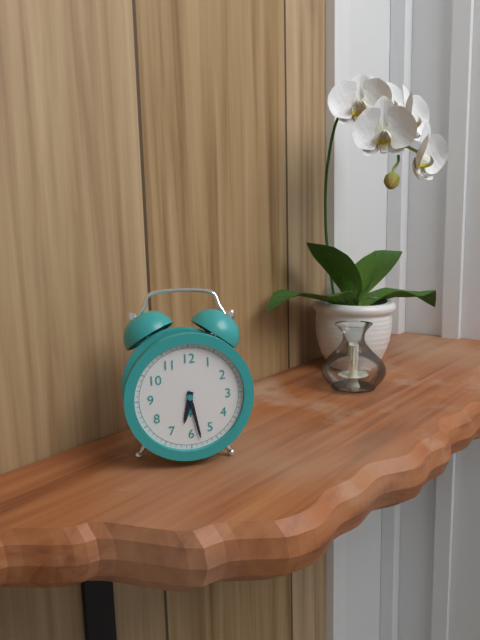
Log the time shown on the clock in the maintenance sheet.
6:28
